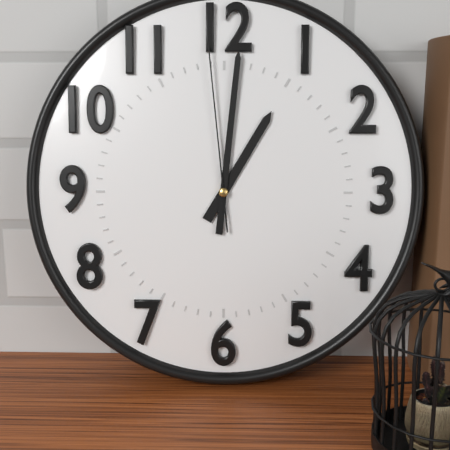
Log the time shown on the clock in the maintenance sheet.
1:01:59
